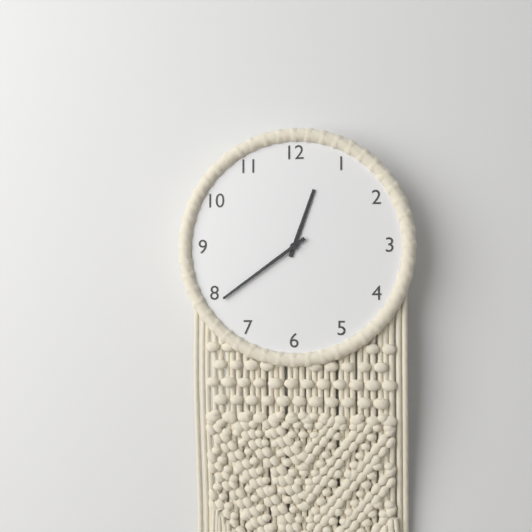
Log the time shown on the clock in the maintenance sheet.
12:39
